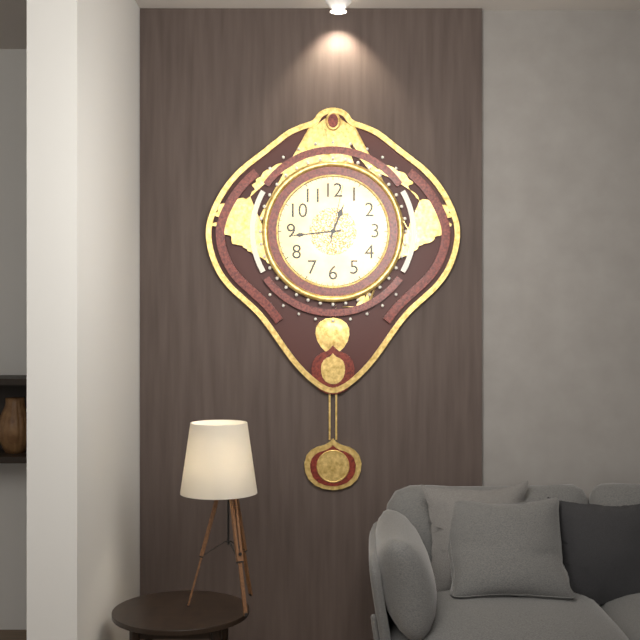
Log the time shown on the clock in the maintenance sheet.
12:44:02
